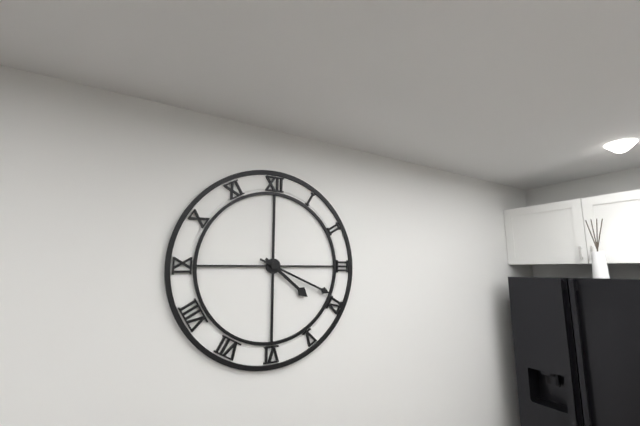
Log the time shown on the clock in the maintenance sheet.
4:19
